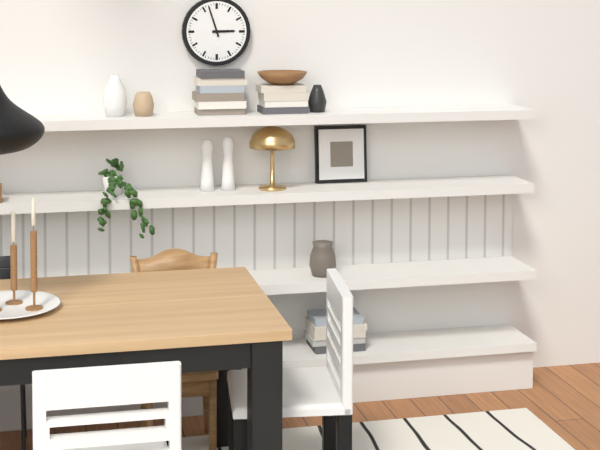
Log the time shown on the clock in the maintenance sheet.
2:57
